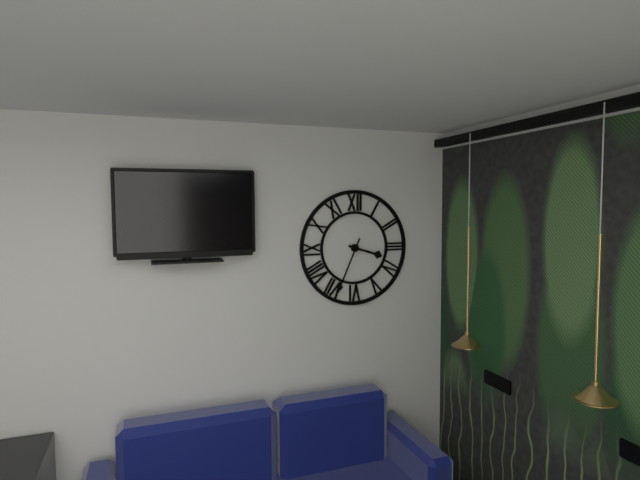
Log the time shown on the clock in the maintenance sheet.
3:34
